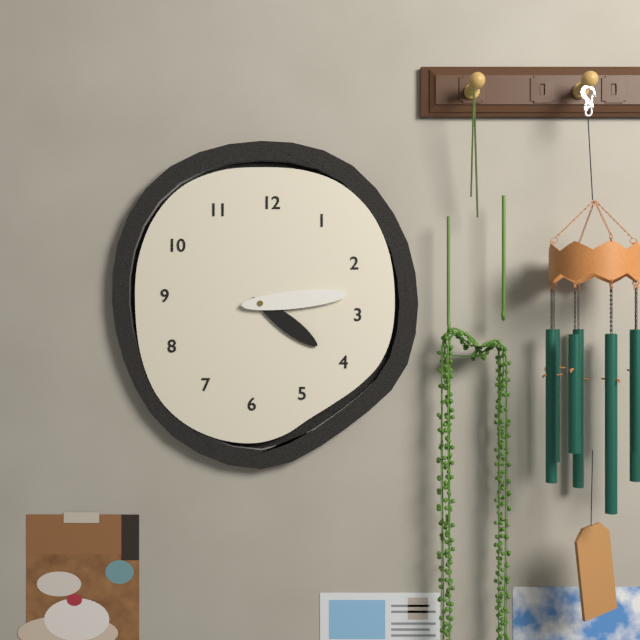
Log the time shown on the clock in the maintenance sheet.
4:14
